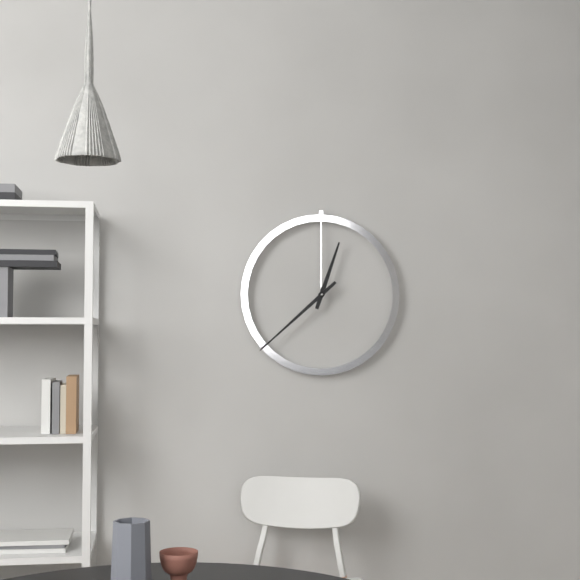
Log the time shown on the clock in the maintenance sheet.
12:38
